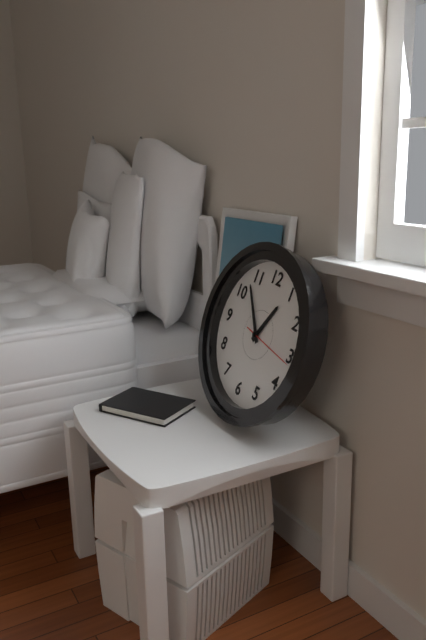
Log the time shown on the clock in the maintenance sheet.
12:53:16
